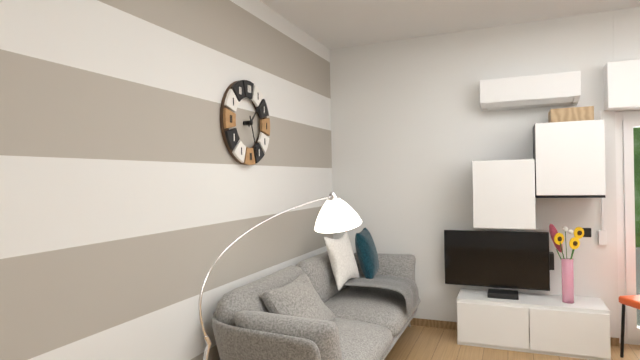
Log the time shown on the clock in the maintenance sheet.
1:27
